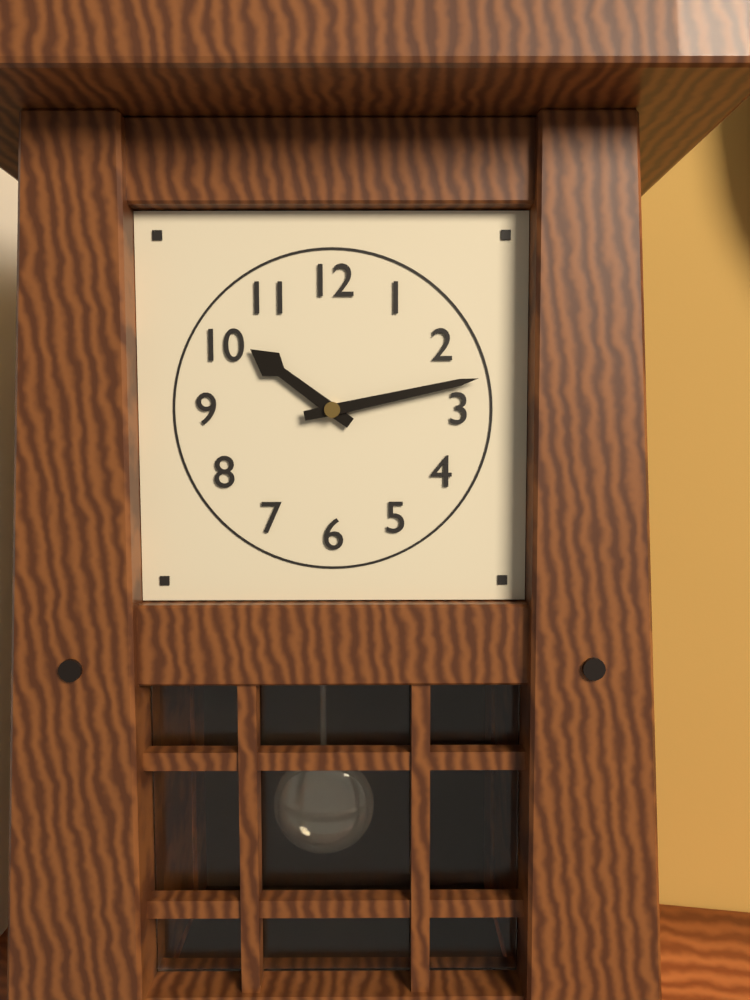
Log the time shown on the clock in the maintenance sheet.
10:13
